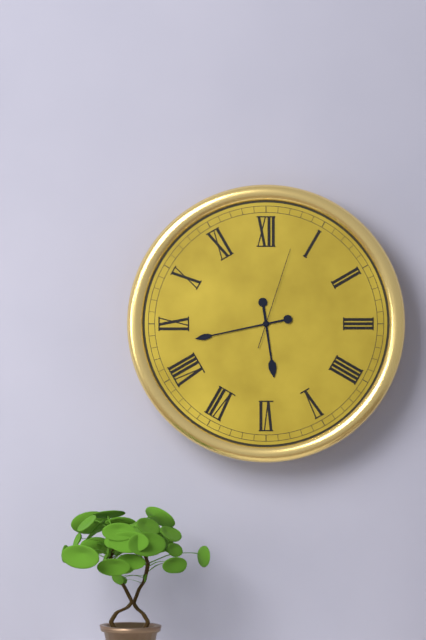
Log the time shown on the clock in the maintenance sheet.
5:43:03
